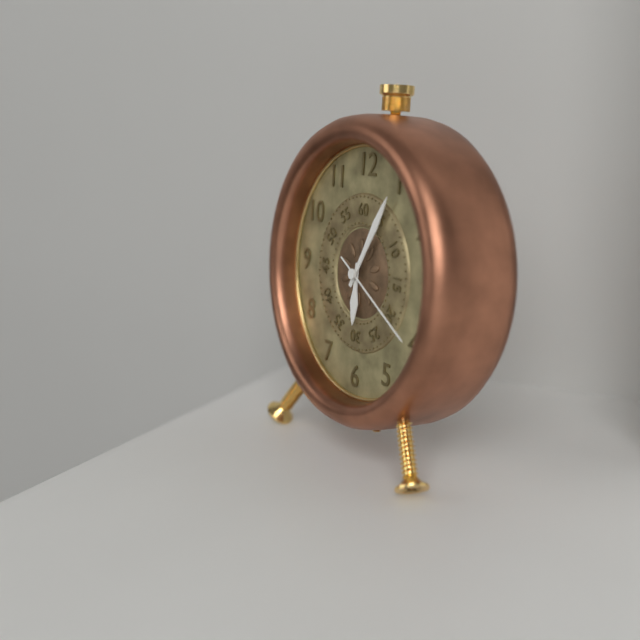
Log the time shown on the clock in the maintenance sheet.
6:05:20
